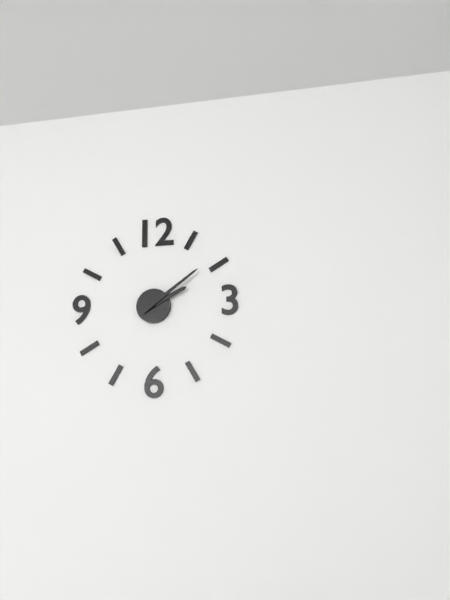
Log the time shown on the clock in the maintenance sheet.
2:09
